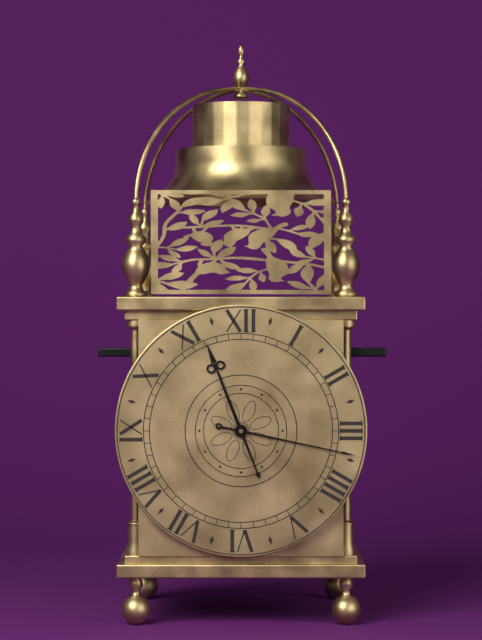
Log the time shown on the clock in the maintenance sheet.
11:17
